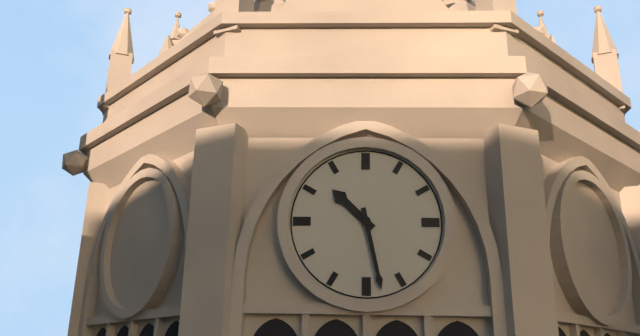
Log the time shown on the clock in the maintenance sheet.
10:28
